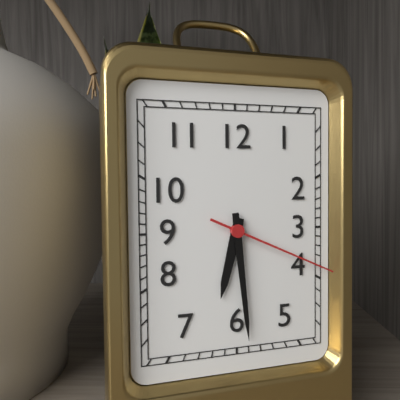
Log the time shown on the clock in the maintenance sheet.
6:29:19
